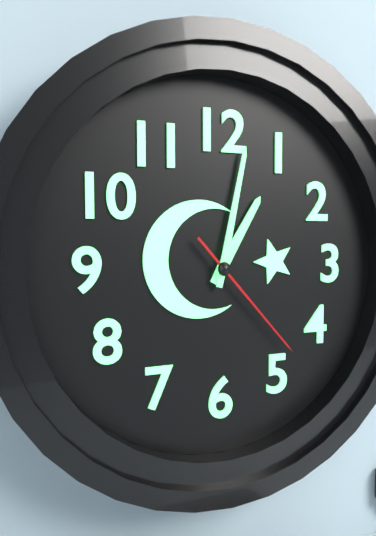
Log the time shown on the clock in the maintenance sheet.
1:02:23
